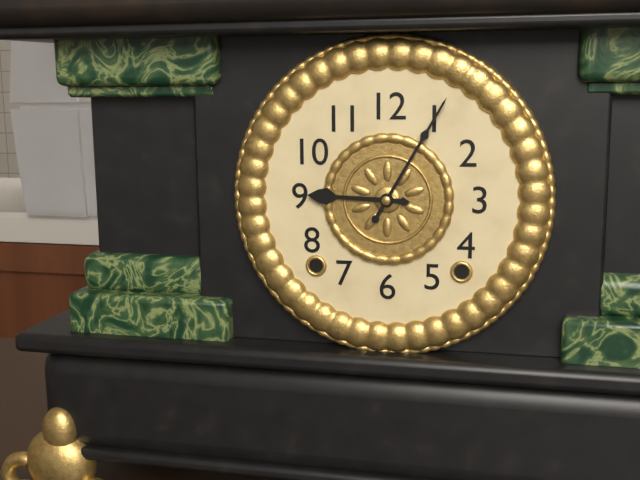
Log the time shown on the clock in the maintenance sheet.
9:05
